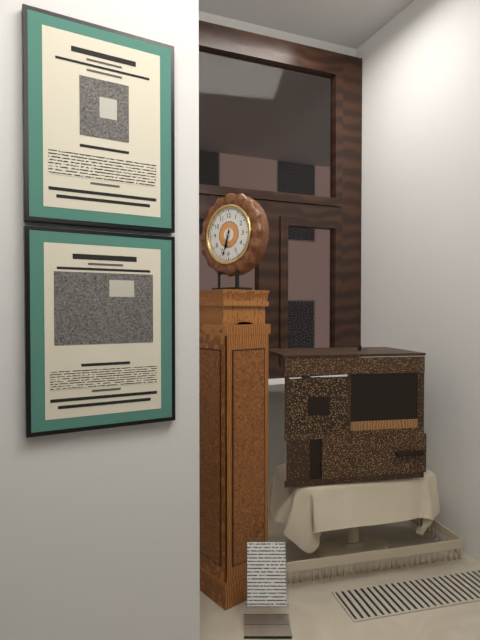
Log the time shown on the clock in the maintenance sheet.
6:33
